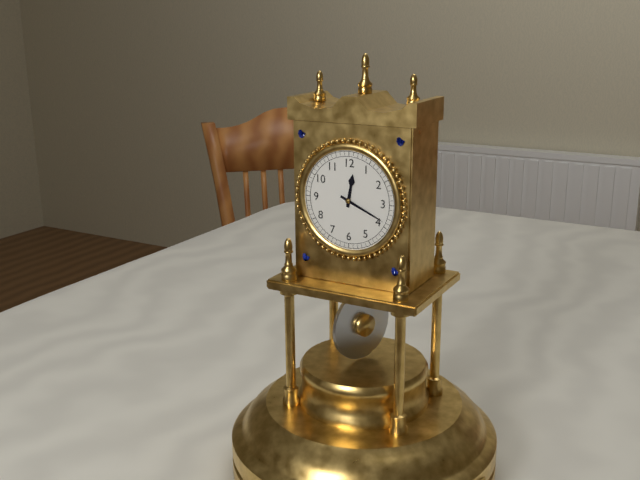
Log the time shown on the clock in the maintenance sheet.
12:19
